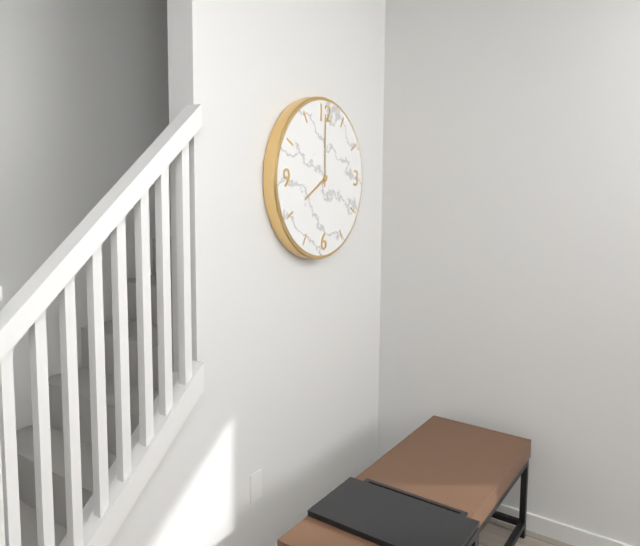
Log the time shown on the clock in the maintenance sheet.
8:00
